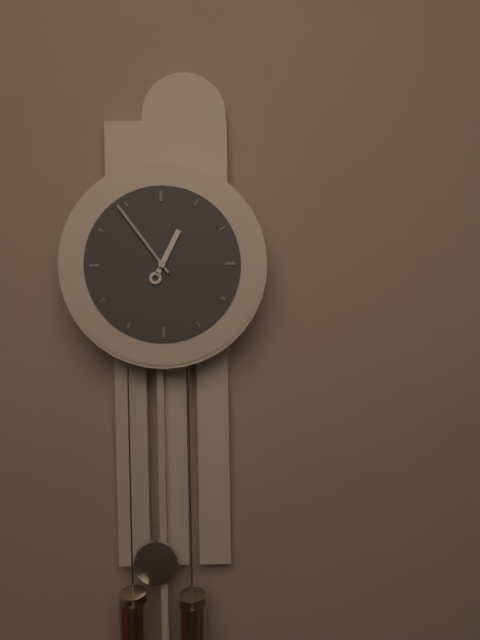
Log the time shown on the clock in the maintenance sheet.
12:54
